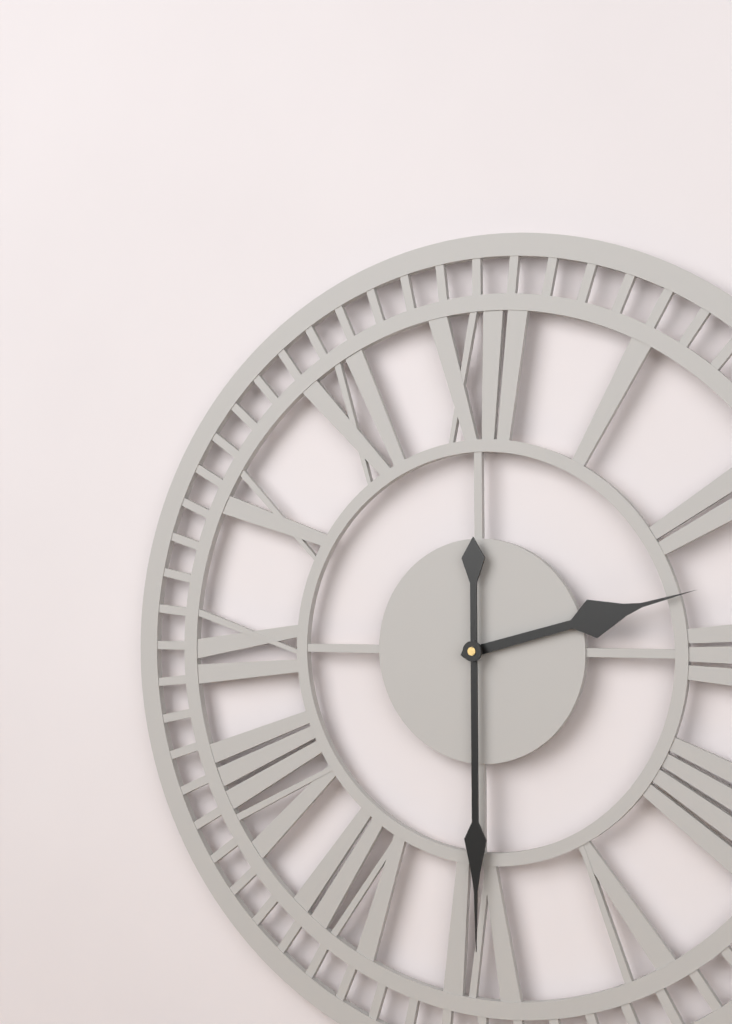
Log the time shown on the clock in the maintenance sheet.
2:30
